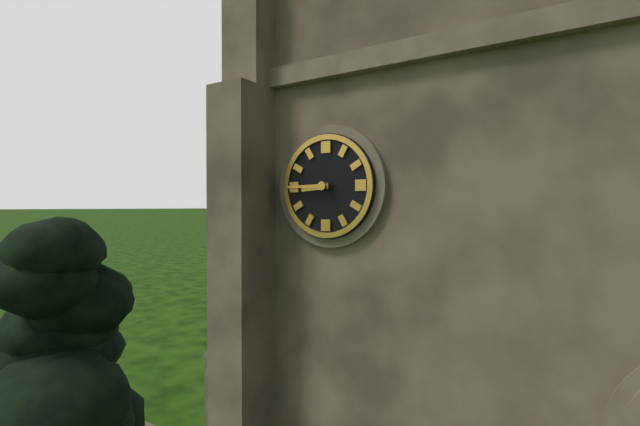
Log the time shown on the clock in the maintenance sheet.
8:45
